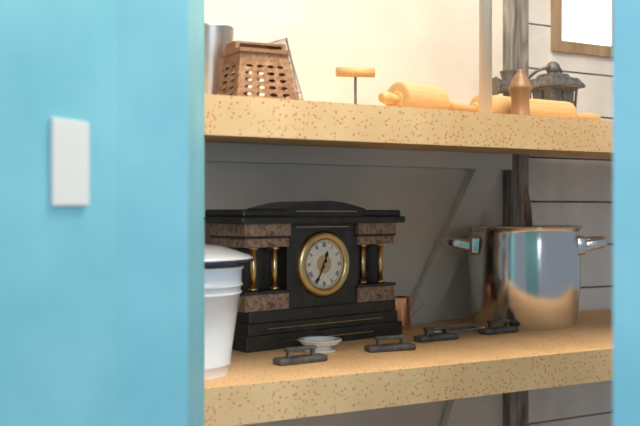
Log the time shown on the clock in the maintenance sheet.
12:35
